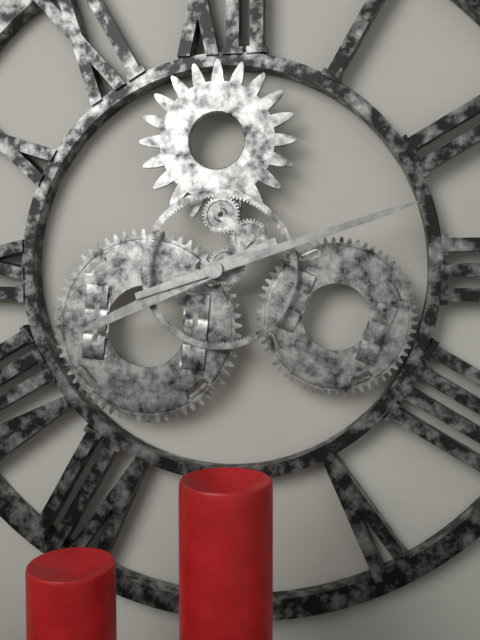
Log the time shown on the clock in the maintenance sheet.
8:12
